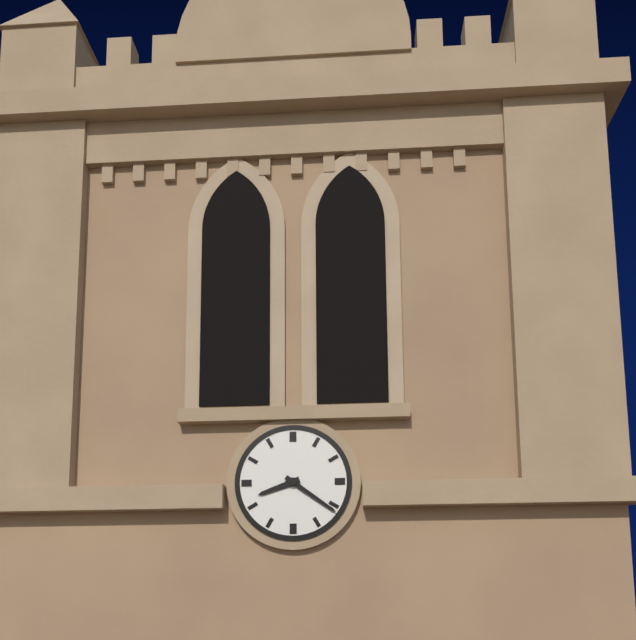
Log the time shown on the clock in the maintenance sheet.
8:21
